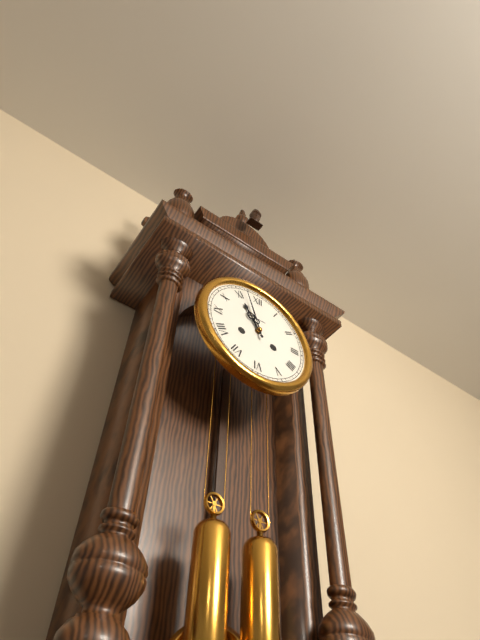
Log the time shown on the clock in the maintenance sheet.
10:57
